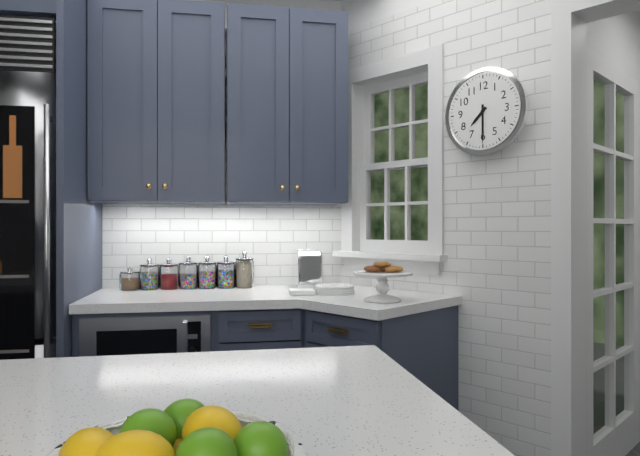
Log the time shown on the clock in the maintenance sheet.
7:30
